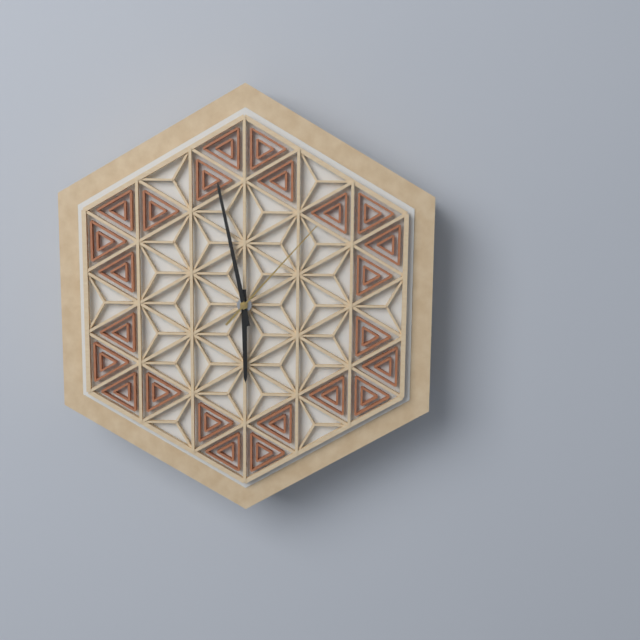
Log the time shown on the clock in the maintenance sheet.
5:58:07
